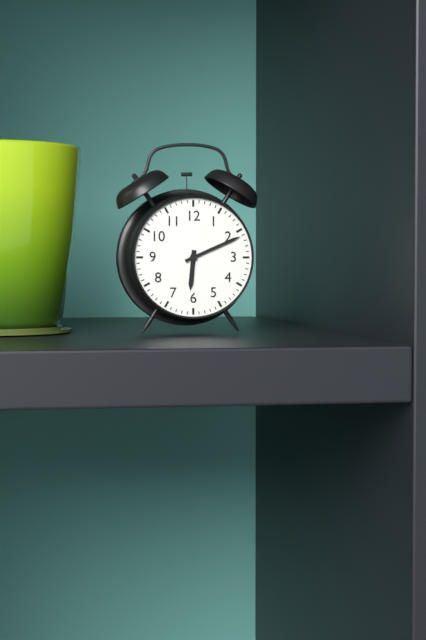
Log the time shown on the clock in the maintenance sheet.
6:11
